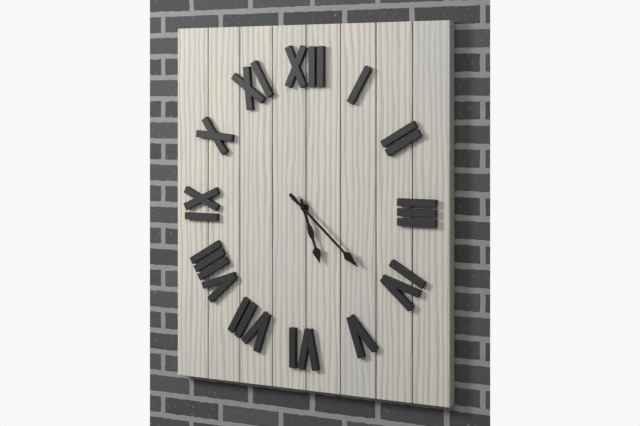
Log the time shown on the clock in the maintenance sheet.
5:22
